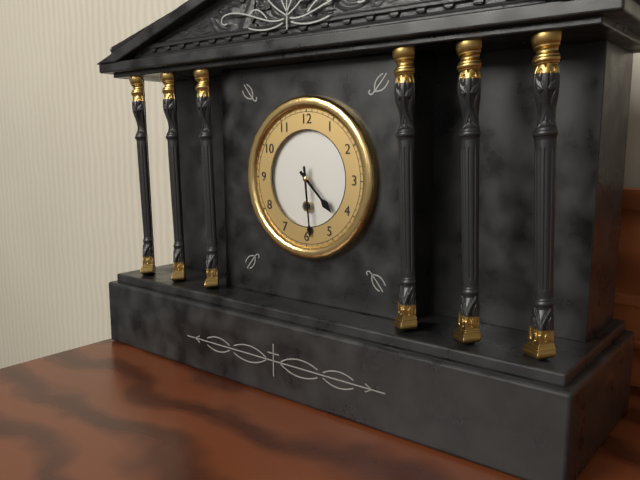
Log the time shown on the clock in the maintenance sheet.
4:29
